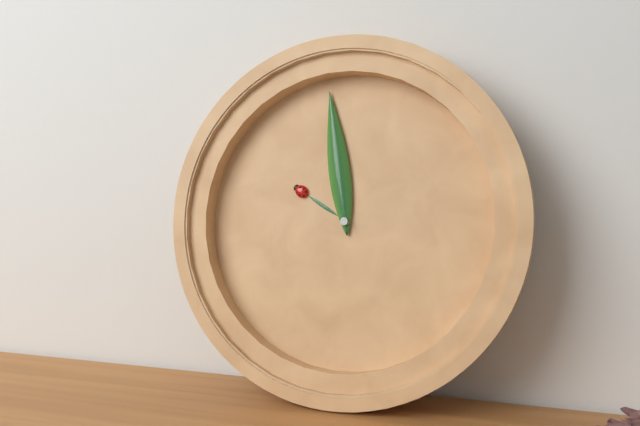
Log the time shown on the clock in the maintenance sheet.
9:58
